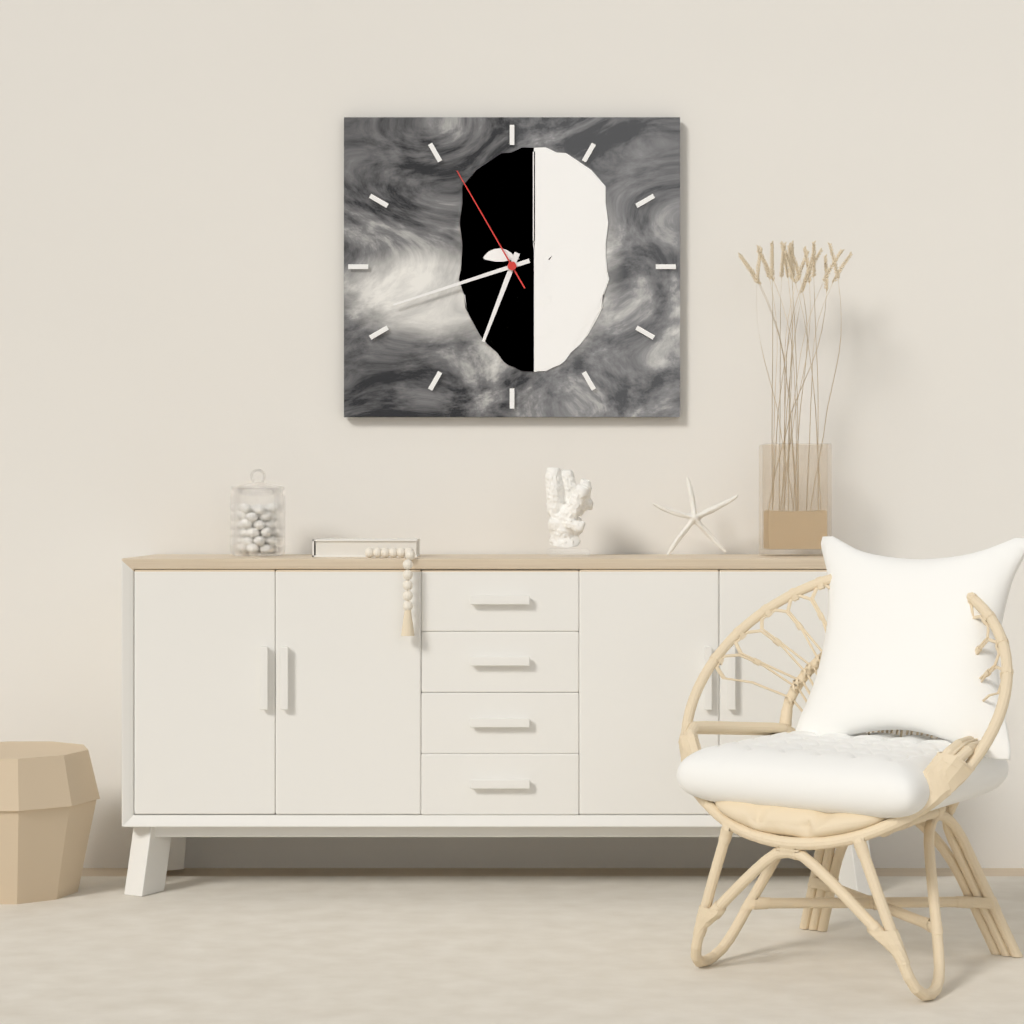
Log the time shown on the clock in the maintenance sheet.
6:42:55
